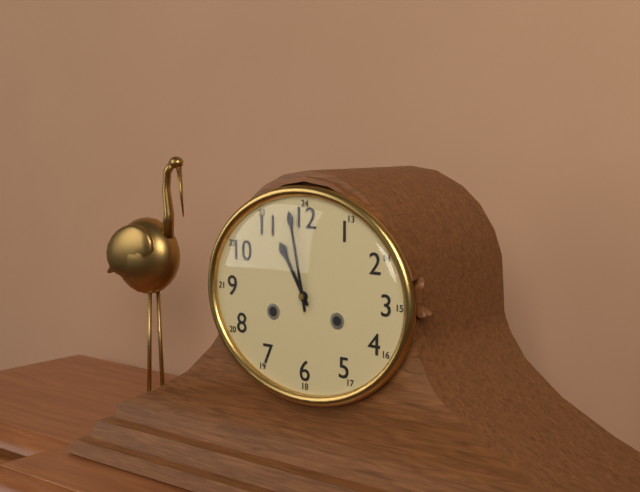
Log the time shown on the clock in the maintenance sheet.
10:58
